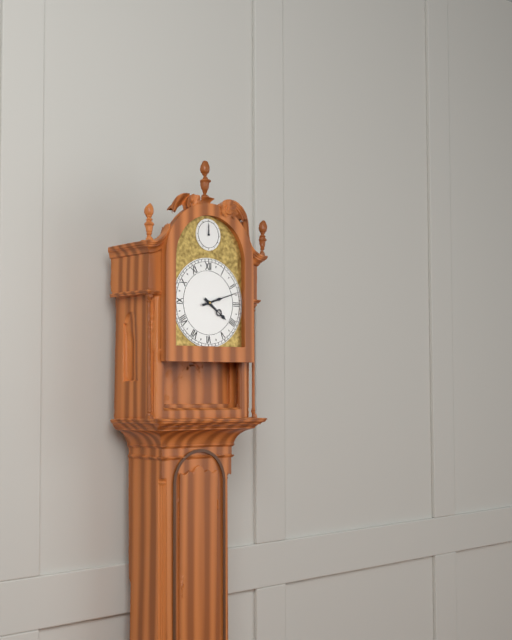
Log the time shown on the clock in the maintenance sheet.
4:12
